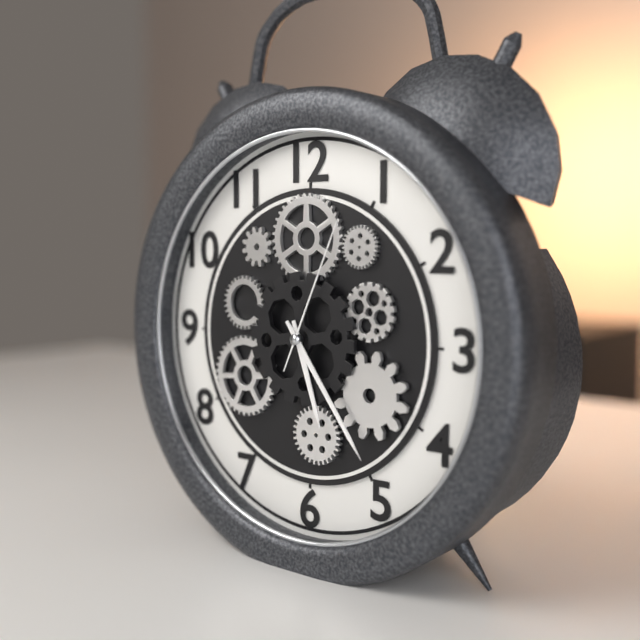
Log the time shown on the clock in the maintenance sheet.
5:24:04
